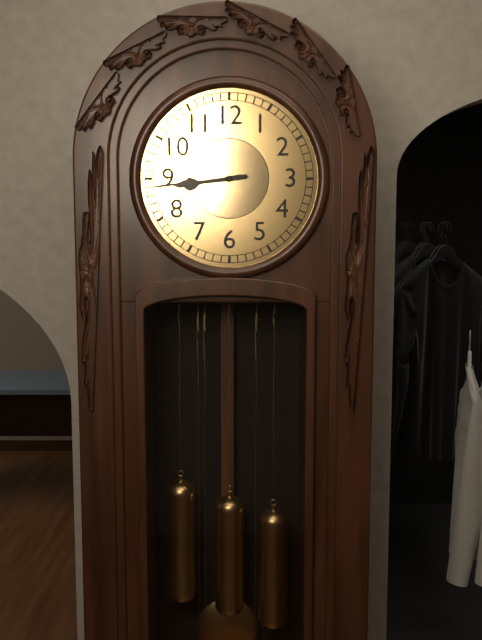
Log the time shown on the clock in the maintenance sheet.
8:44
